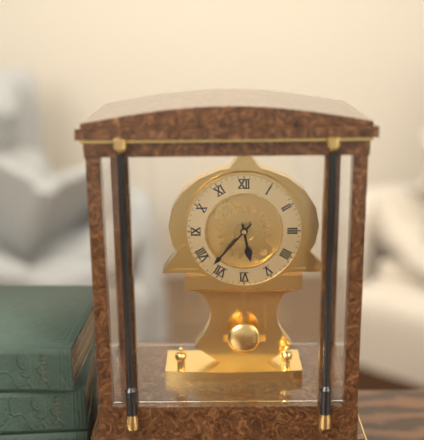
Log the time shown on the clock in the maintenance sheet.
5:37
